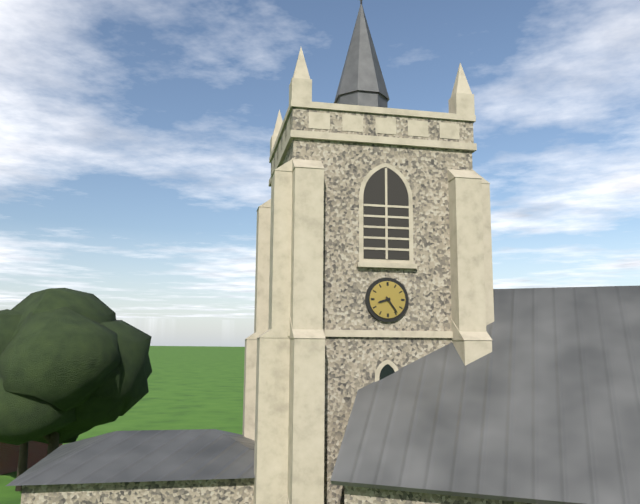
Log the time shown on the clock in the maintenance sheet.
8:24
